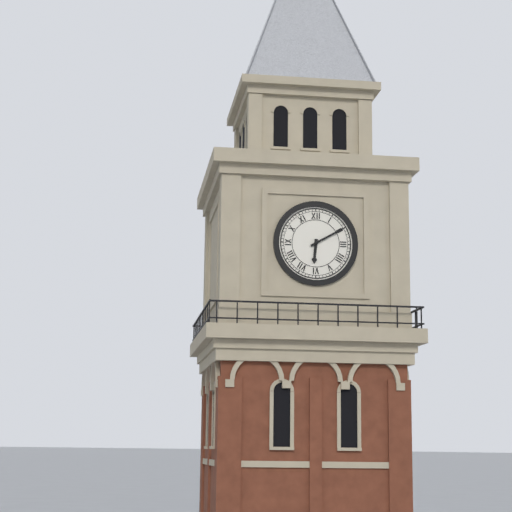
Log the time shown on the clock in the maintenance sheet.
6:10
